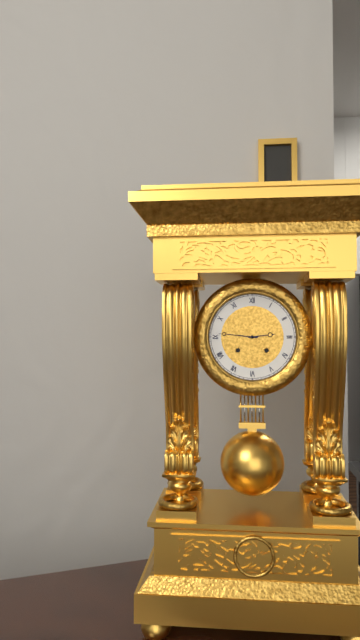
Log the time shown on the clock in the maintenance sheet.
2:46
